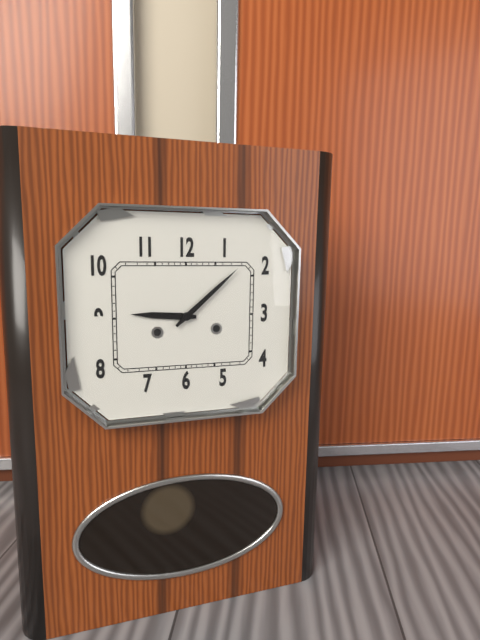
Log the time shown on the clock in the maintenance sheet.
9:08
